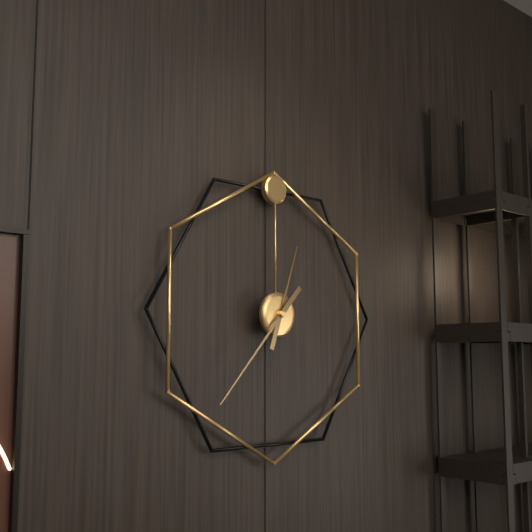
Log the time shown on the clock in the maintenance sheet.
12:37
